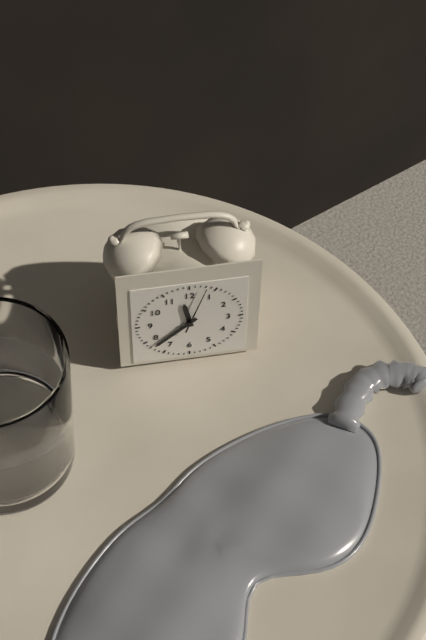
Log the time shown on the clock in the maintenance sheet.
11:38
